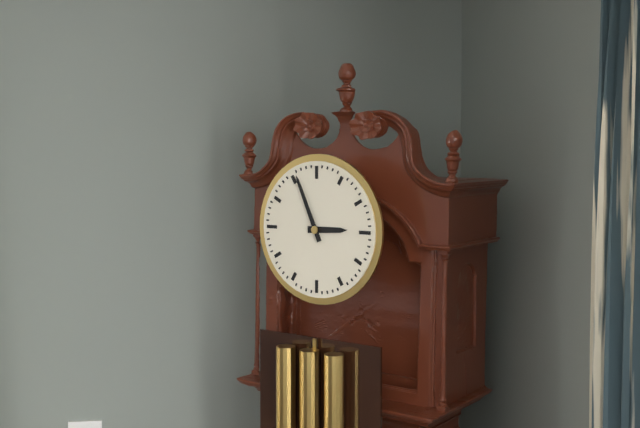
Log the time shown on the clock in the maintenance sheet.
2:56
